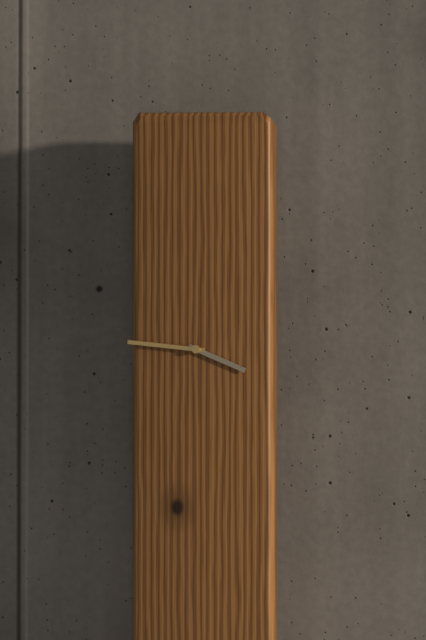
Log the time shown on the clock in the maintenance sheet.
3:46
